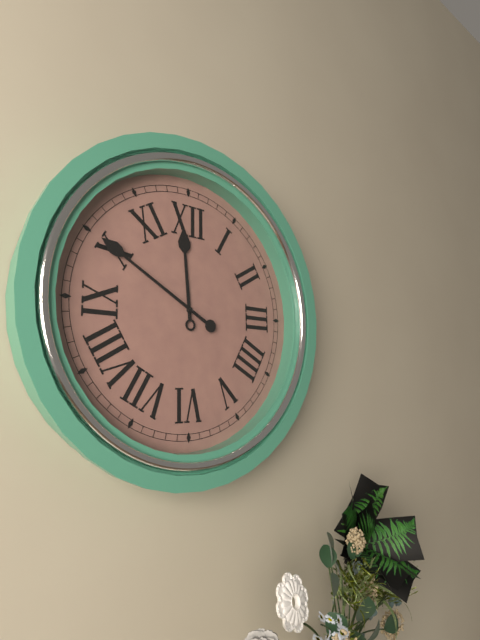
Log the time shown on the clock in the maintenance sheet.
11:50
